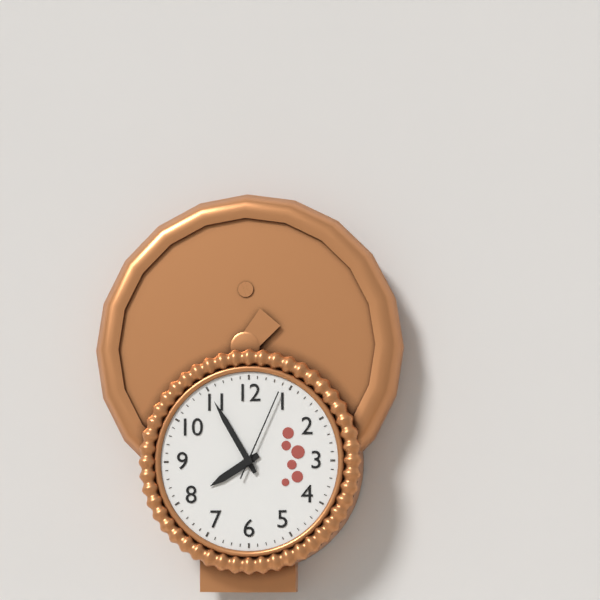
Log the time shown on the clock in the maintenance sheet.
7:55:04
